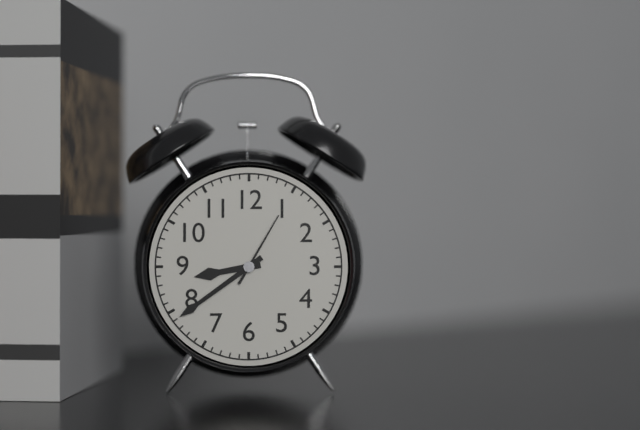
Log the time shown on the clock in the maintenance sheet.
8:39:05
